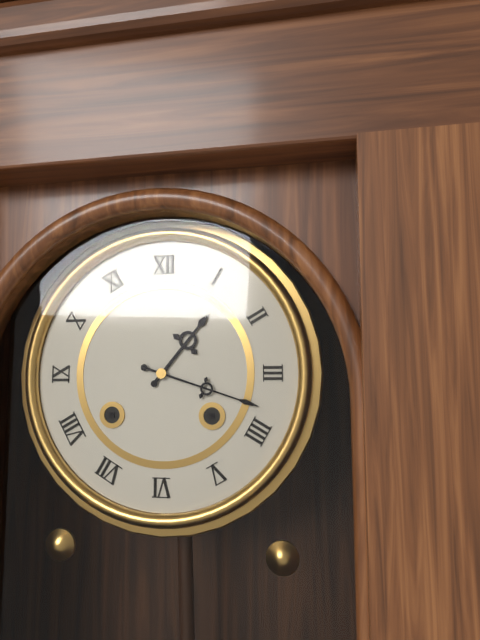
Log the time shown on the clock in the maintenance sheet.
1:18
